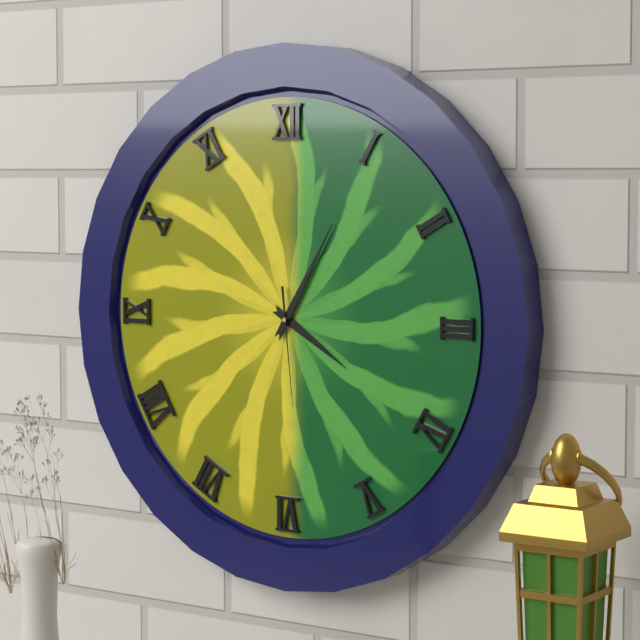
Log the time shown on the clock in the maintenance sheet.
4:05:29
